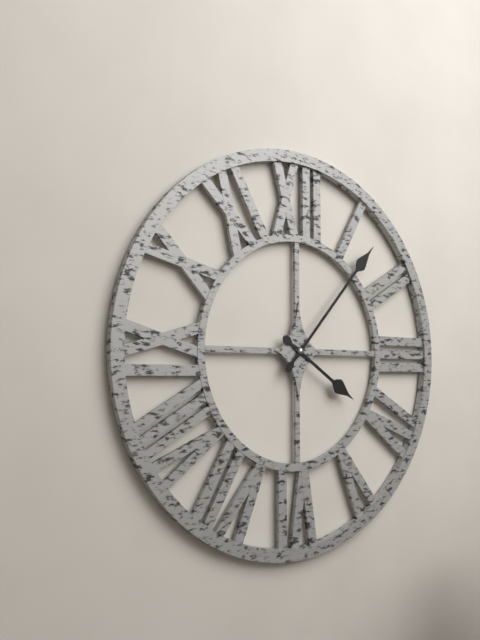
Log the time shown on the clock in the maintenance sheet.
4:07
